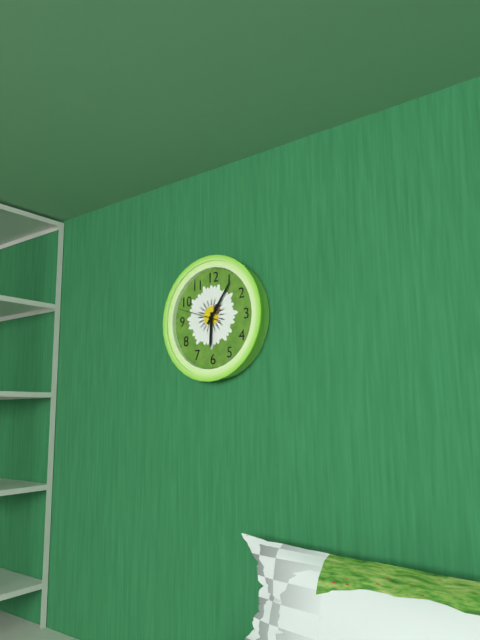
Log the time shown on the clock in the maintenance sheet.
6:06
